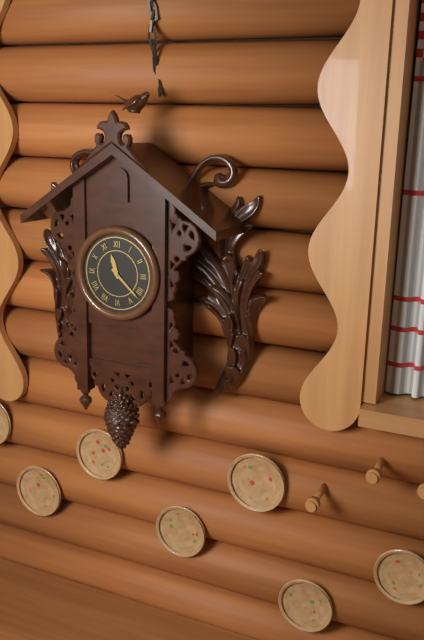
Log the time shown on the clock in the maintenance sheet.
11:22
